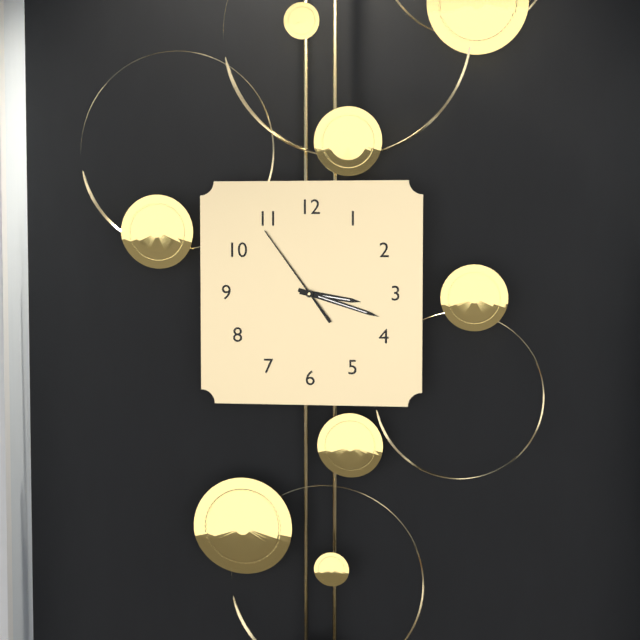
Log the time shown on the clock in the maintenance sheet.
3:18:54
